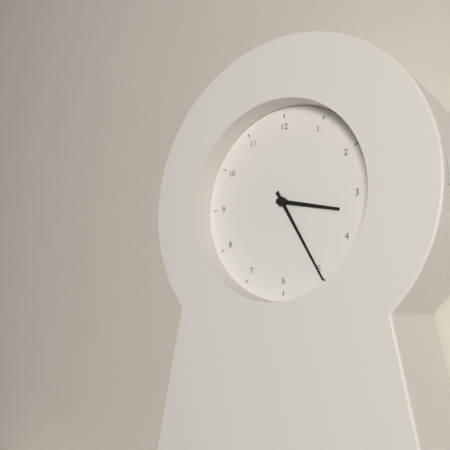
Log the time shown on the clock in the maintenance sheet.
3:25
